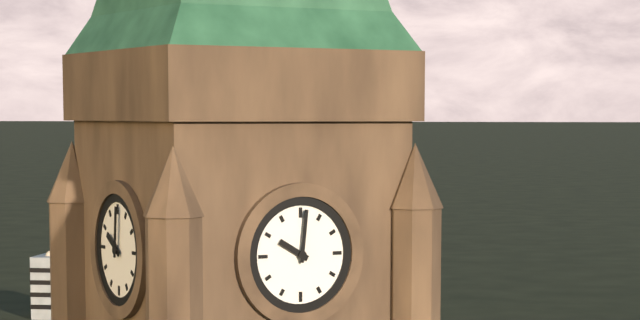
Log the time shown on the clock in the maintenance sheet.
10:01
